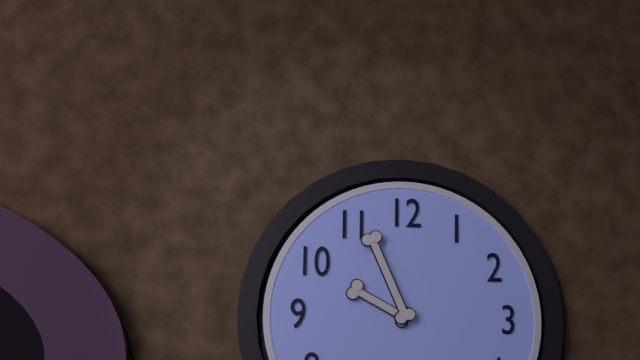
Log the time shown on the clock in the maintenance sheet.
9:56
